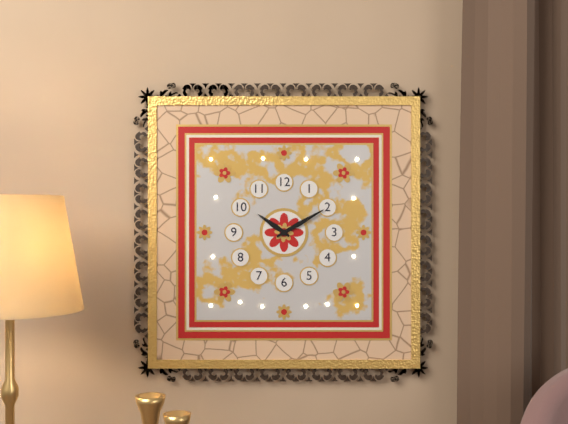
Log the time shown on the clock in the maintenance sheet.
10:10
